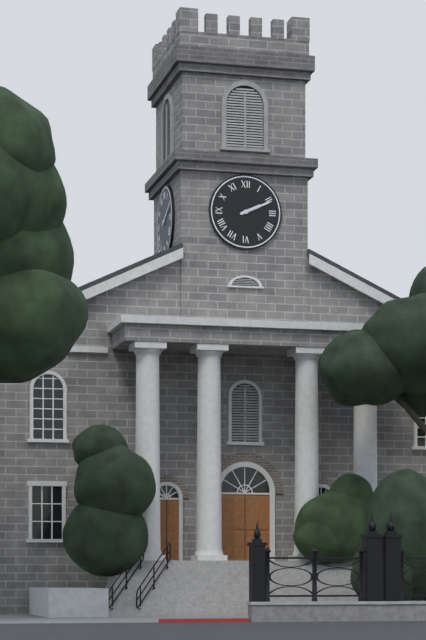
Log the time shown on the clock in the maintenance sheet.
2:11
